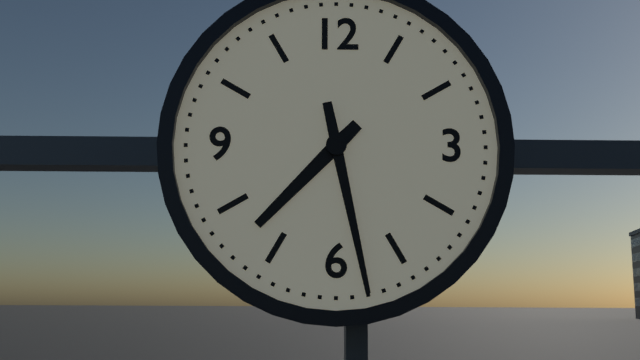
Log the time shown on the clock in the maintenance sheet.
7:28
